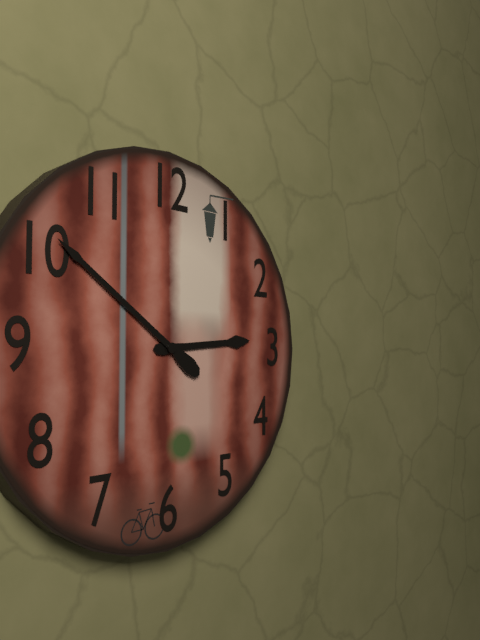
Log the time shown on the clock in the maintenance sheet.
2:51
